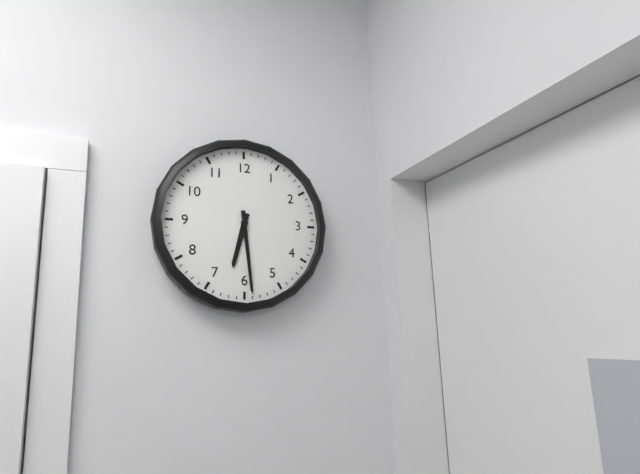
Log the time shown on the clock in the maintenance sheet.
6:29
